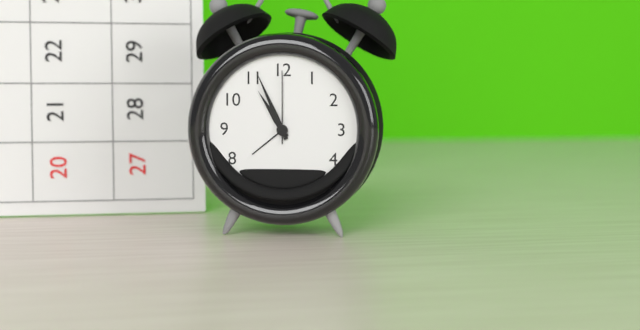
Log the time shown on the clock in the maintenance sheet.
10:56:00
